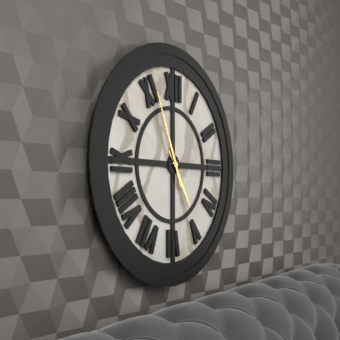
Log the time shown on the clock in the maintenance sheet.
4:56
